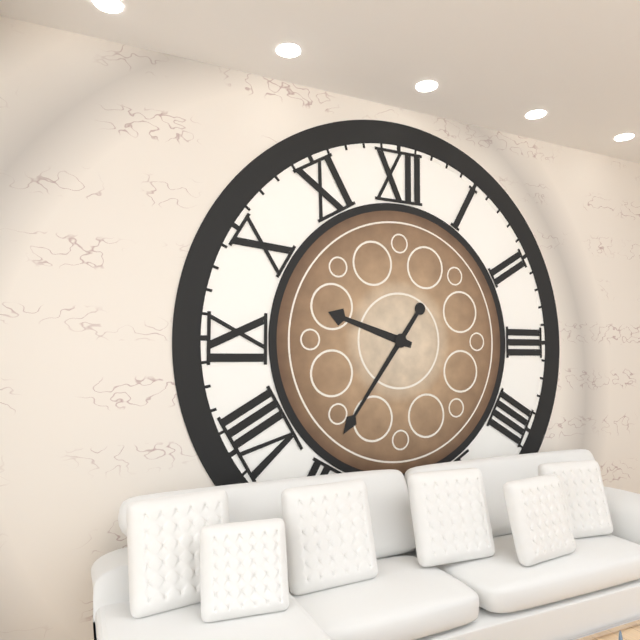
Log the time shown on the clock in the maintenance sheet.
9:36
